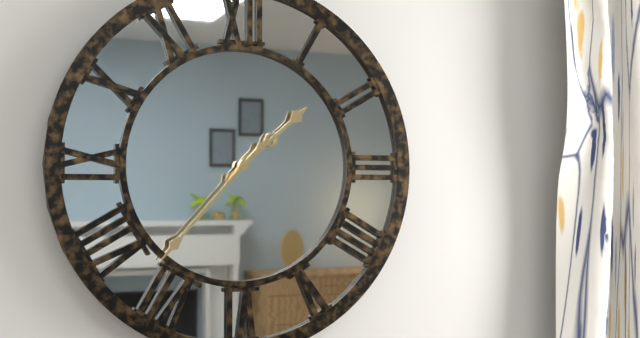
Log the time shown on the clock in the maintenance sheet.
1:37
